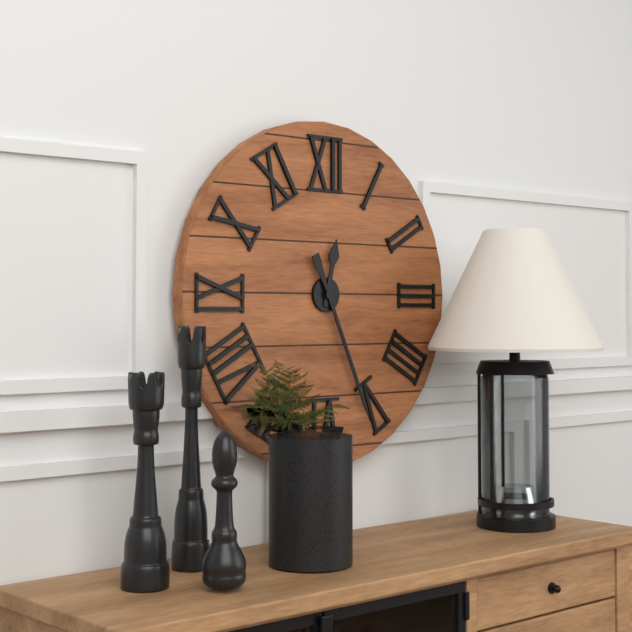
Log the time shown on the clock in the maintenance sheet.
12:26
